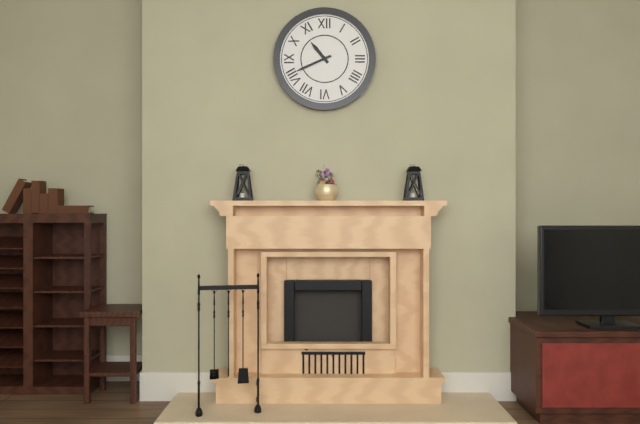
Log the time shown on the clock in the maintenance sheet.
10:41
